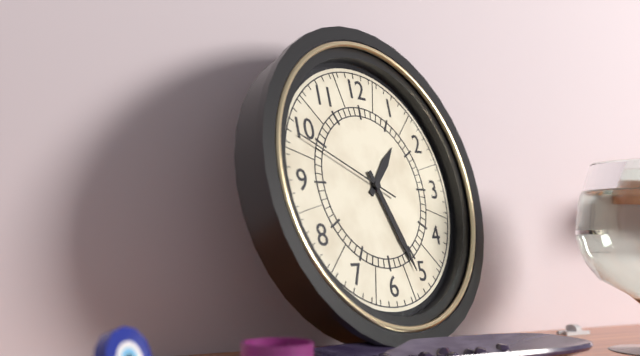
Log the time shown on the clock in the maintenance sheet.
1:26:49
